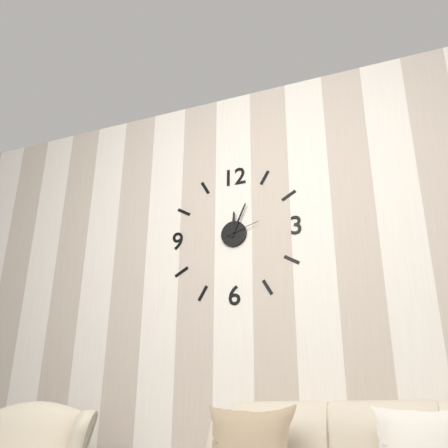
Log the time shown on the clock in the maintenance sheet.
12:04
